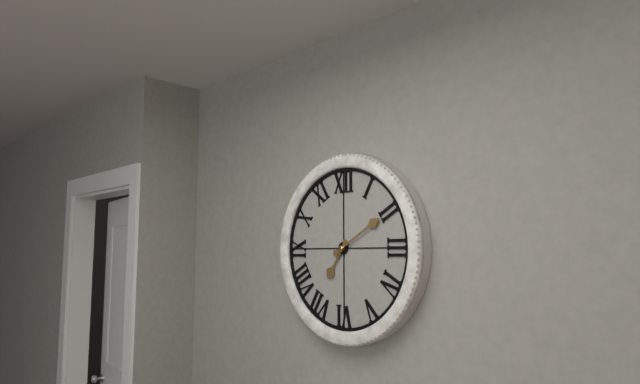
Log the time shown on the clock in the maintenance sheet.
7:10
